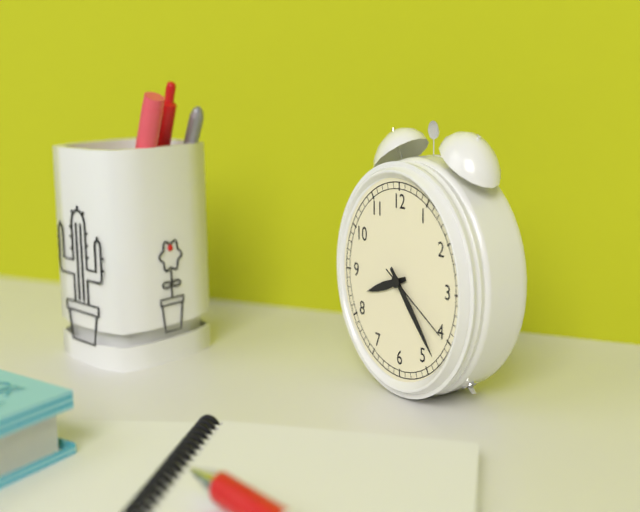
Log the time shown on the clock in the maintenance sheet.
8:23:20
